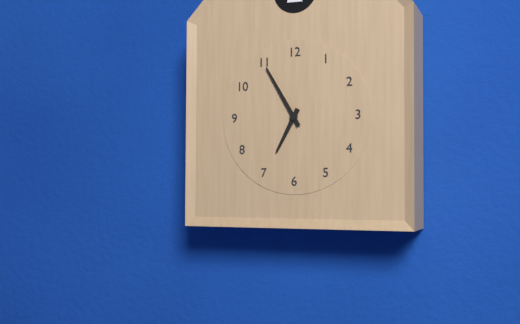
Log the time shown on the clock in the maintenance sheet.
6:55
